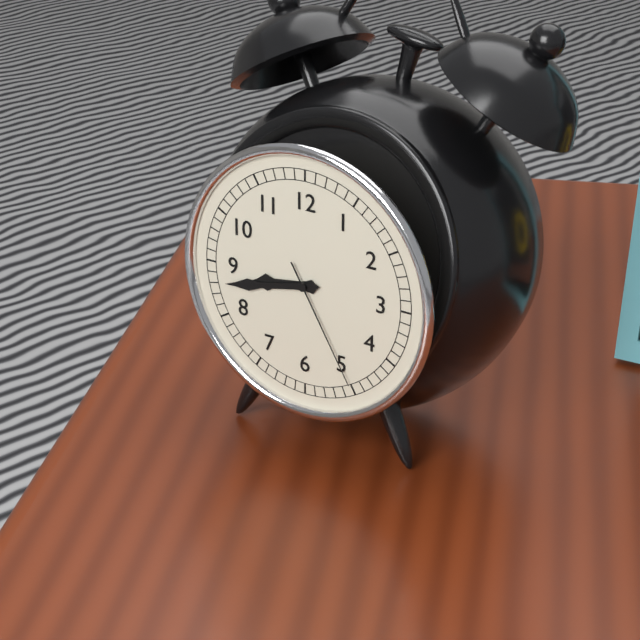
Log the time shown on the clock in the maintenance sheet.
8:43:25
